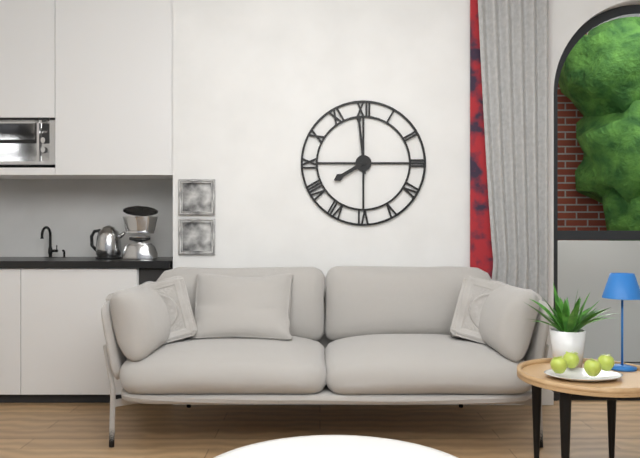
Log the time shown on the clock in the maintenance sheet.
7:59
